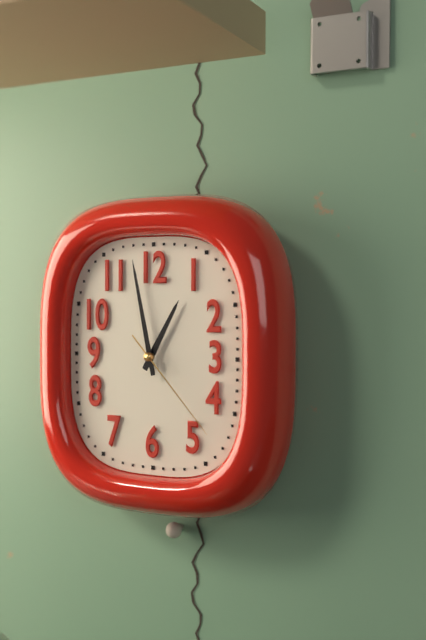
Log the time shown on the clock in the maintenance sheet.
12:58:23
